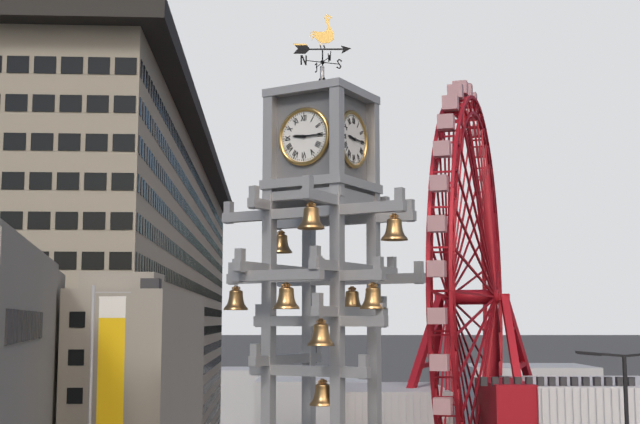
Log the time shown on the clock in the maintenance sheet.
9:15
